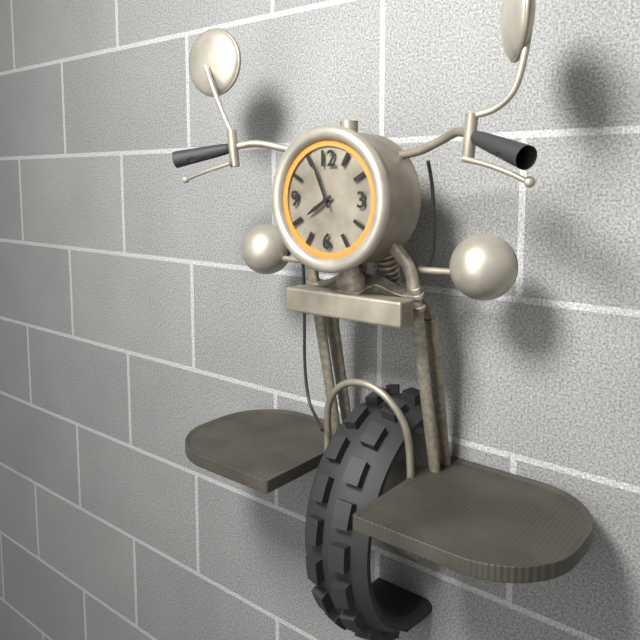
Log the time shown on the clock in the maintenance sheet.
7:56
